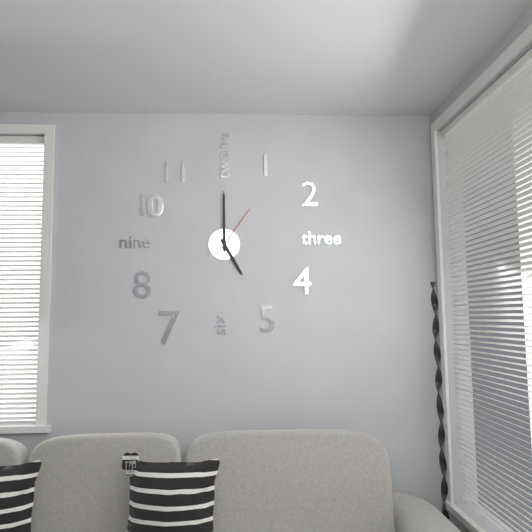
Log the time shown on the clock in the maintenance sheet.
5:00:06
